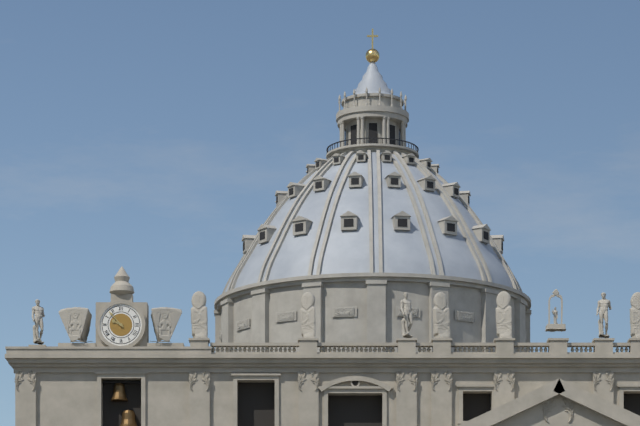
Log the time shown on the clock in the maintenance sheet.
9:53
